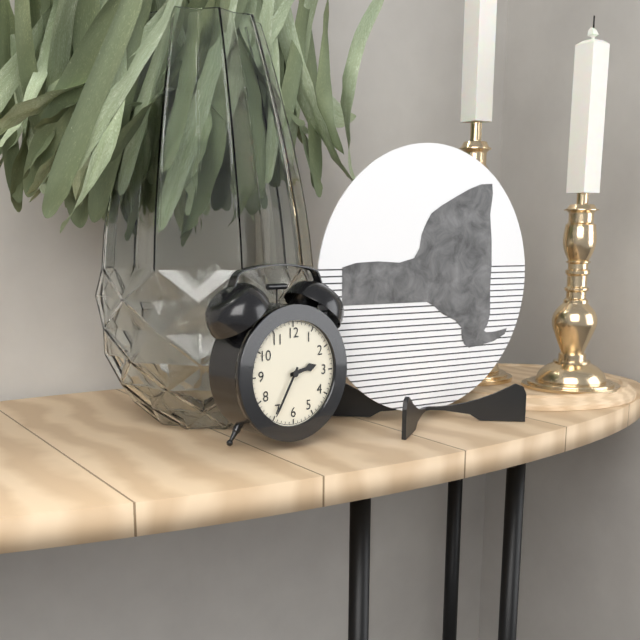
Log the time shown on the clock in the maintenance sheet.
2:35
